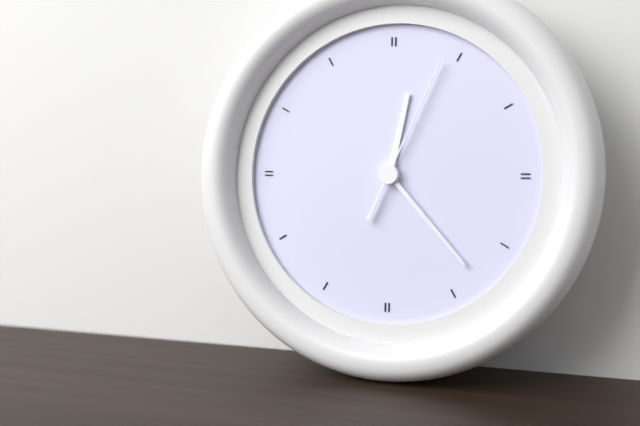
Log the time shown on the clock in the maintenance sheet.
12:23:04
